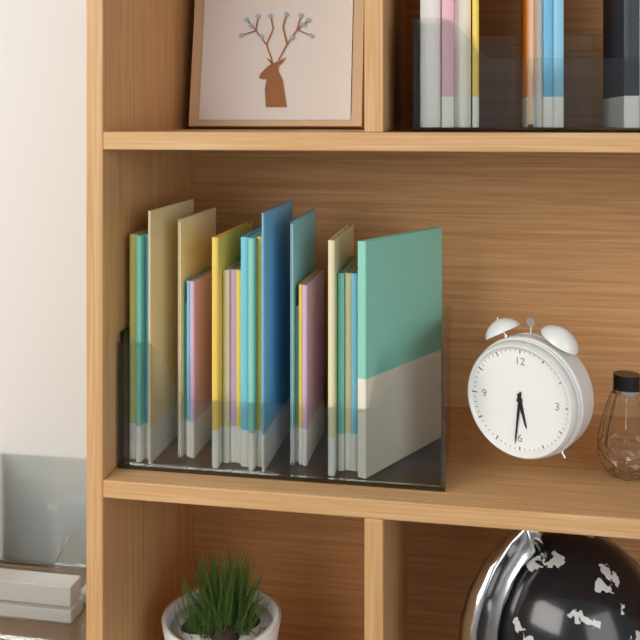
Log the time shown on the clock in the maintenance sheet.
5:31
